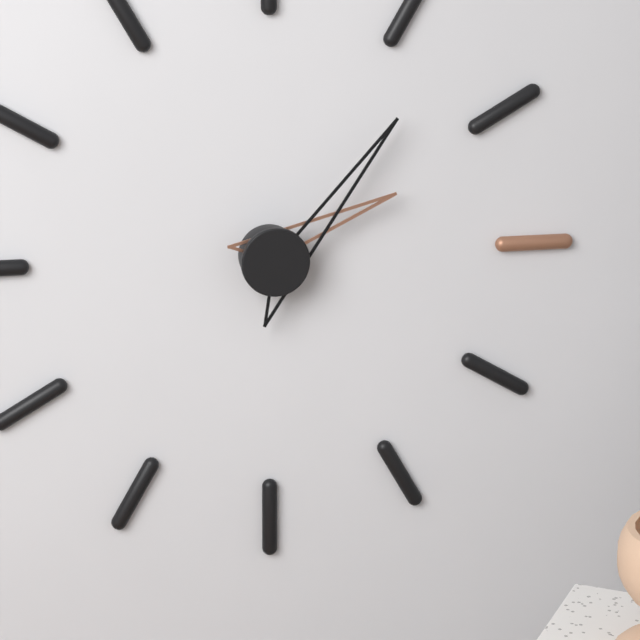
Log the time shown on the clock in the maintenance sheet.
2:07
